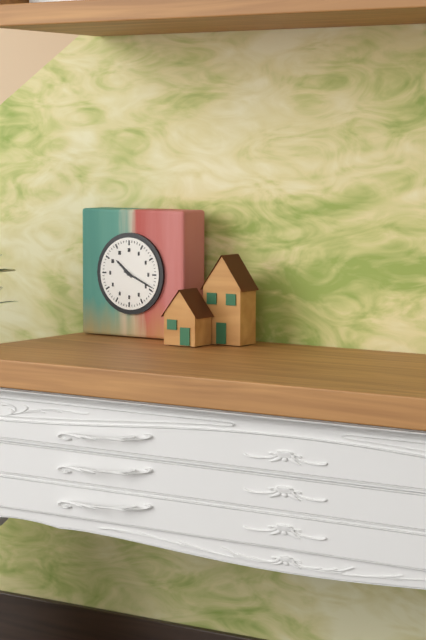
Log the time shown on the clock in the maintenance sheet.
10:19
